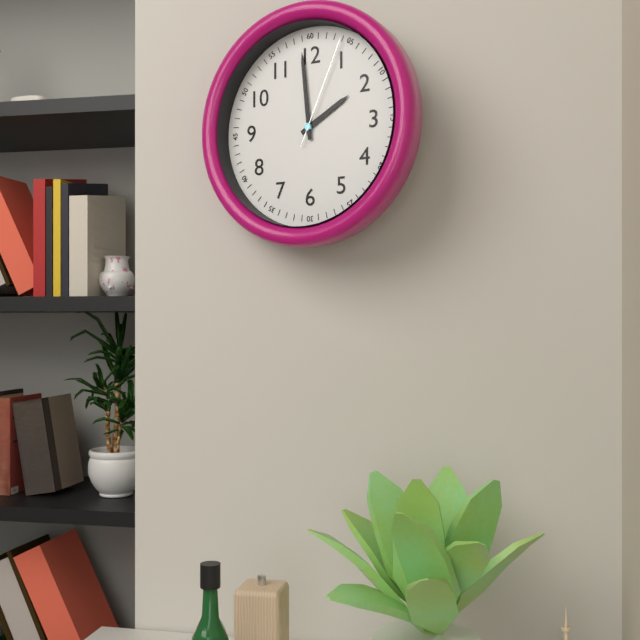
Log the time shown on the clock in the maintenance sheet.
1:59:04
